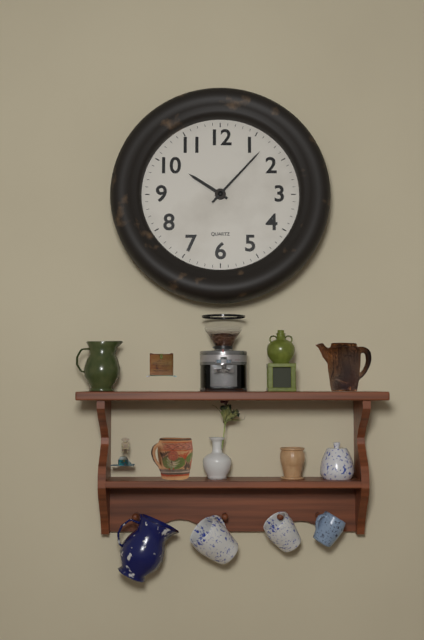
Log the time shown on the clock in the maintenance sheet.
10:07
